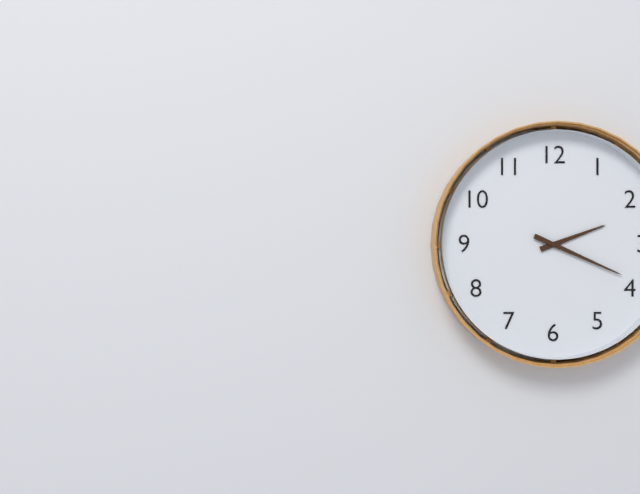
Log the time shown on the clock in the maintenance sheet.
2:19
